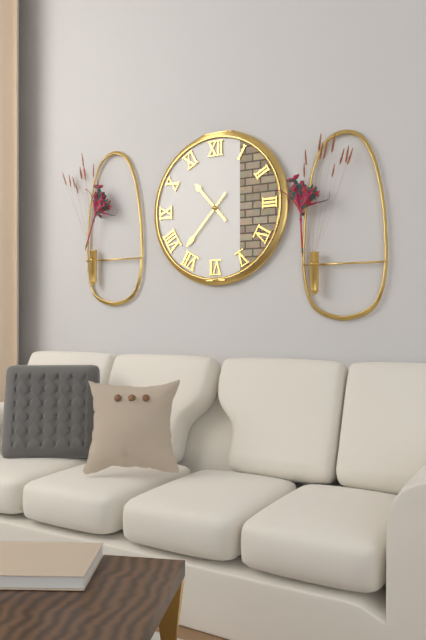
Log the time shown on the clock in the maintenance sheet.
10:37
